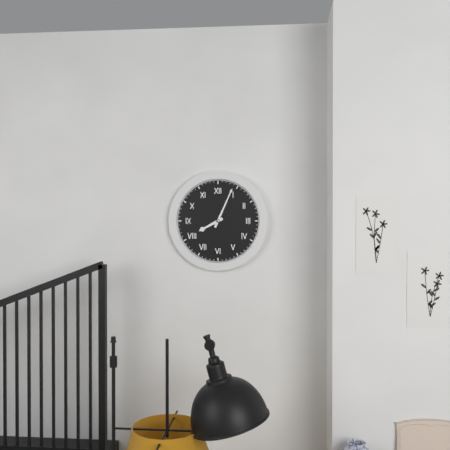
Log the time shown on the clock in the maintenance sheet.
8:04
